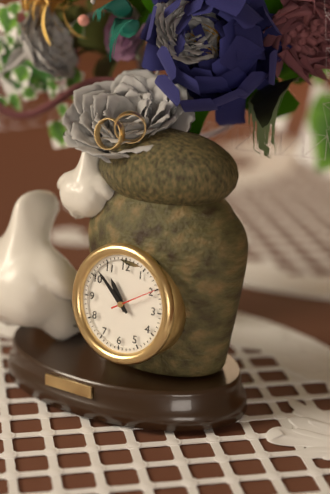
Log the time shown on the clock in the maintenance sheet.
10:52
